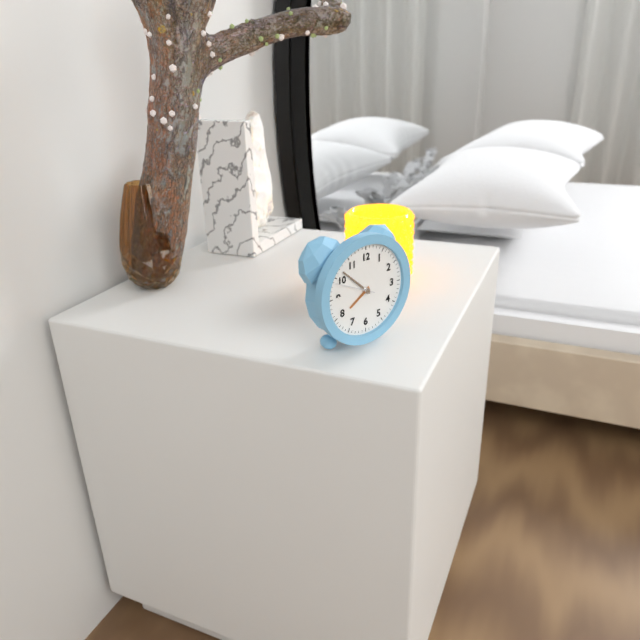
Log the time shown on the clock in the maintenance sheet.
7:52
